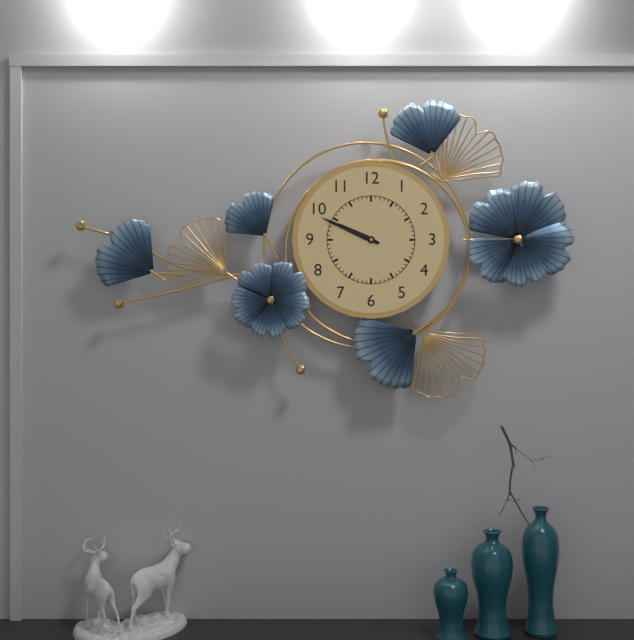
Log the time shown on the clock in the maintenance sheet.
9:49
